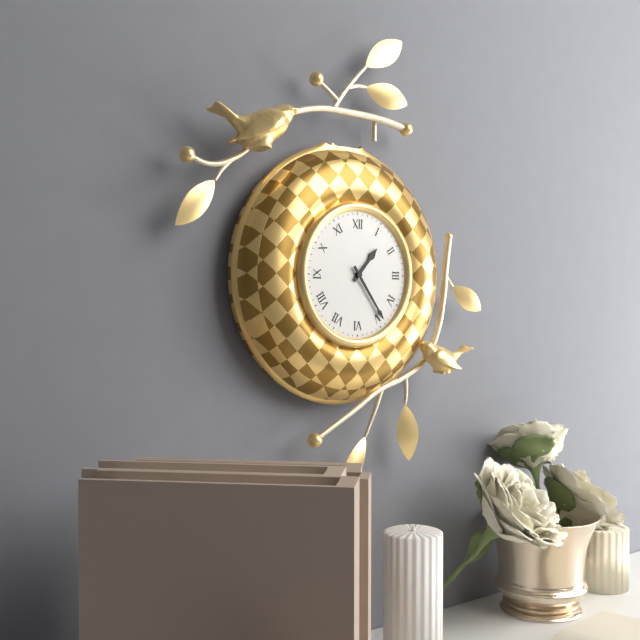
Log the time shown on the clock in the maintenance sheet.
1:24
